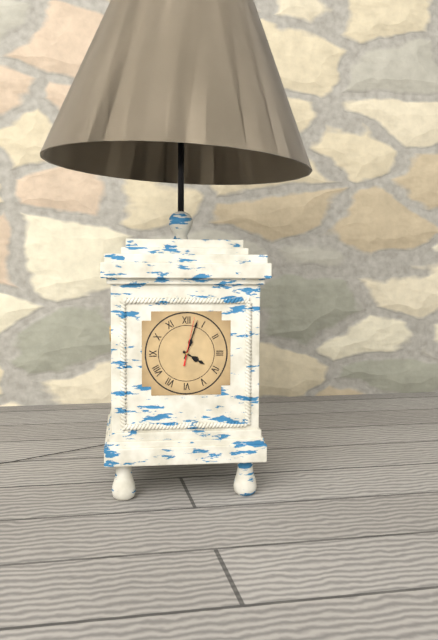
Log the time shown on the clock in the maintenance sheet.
4:03
